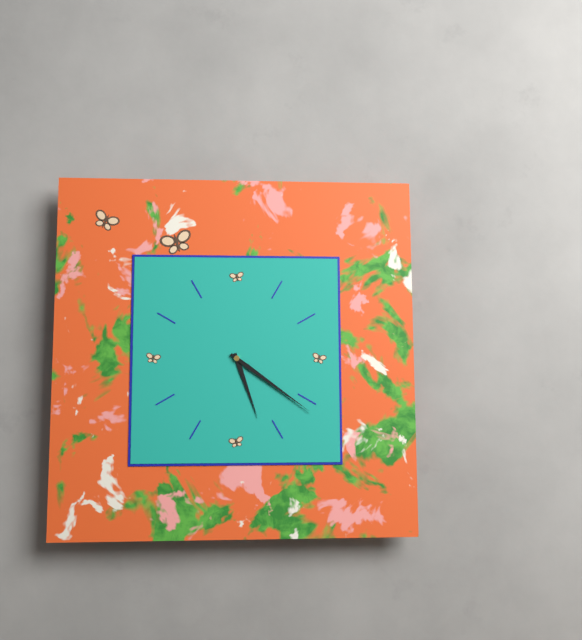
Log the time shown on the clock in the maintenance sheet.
5:21
